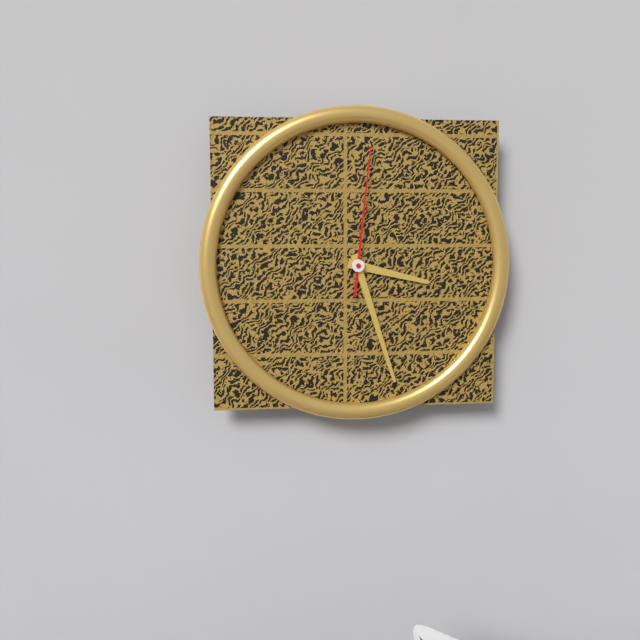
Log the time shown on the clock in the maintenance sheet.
3:27:01
